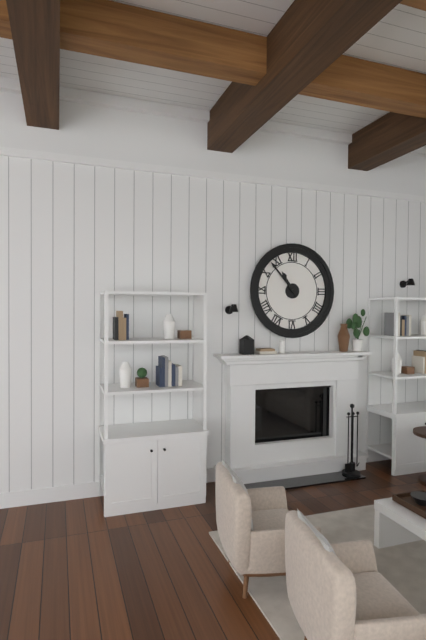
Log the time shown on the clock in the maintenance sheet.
10:53
